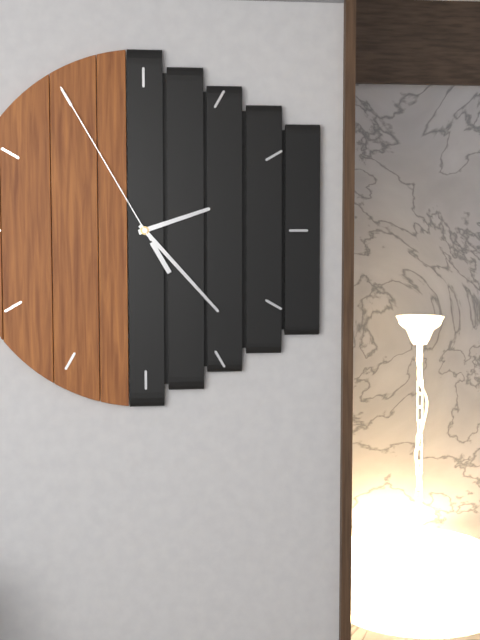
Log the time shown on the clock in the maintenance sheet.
2:23:55
